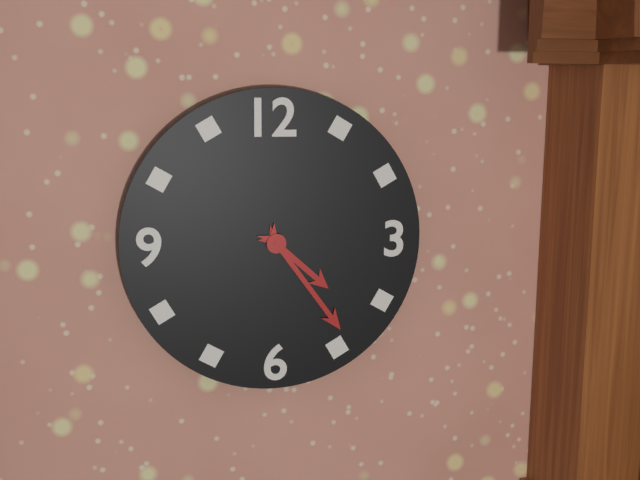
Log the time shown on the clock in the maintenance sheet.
4:24
